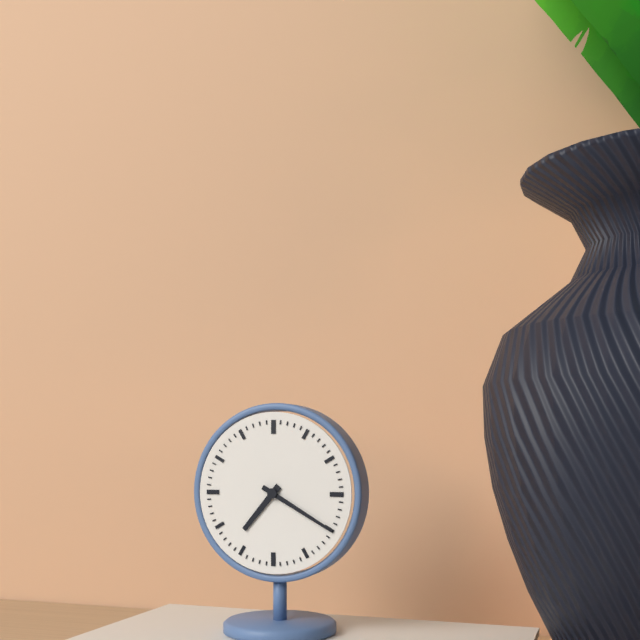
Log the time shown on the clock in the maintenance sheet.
7:20
